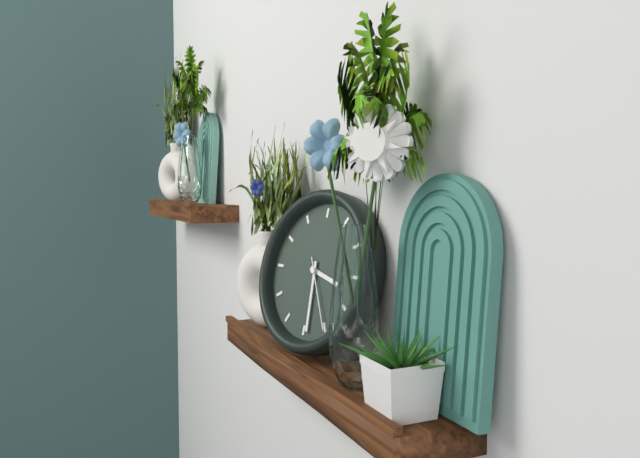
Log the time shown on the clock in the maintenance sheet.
3:29:25
